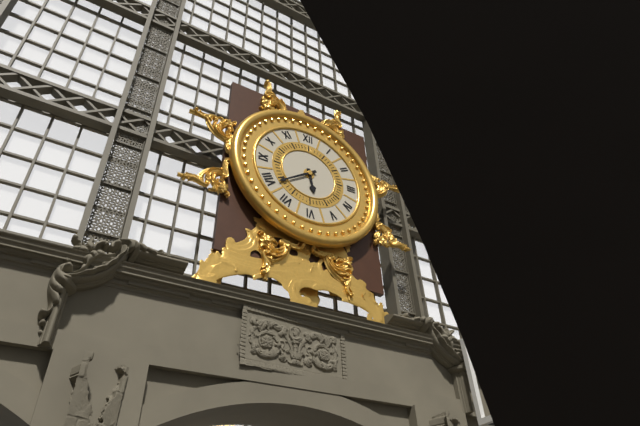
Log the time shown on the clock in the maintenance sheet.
5:39
